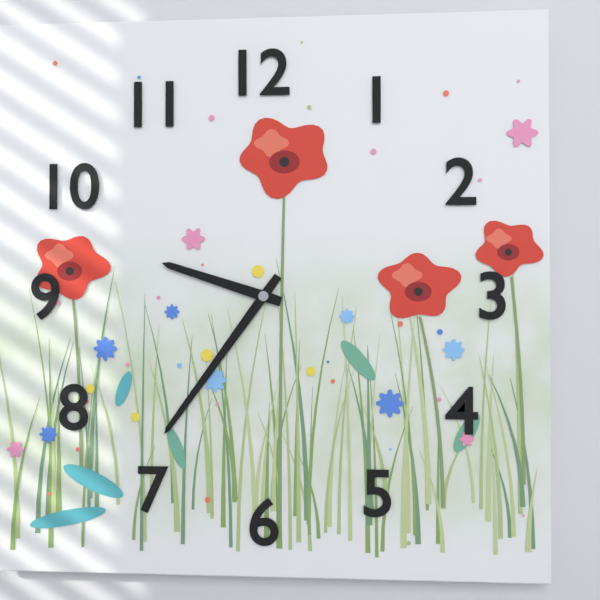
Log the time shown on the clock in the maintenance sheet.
9:36
